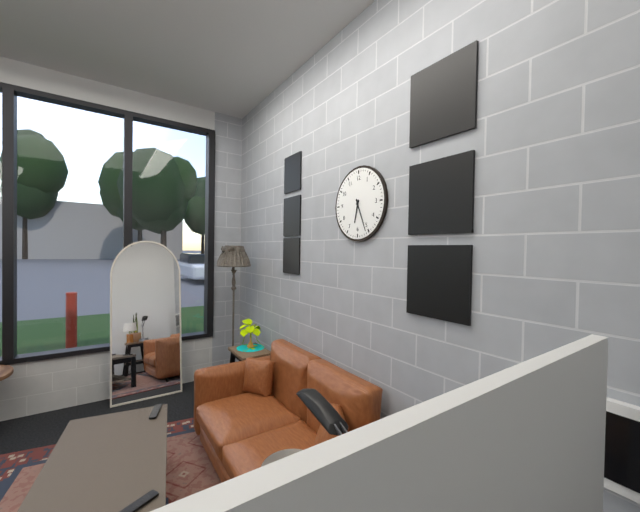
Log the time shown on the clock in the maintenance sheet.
6:26
